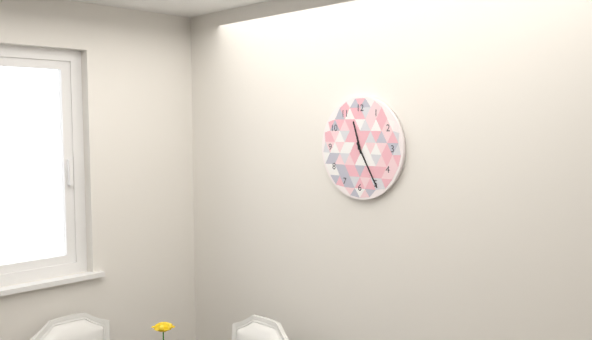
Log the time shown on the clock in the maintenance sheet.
11:25
